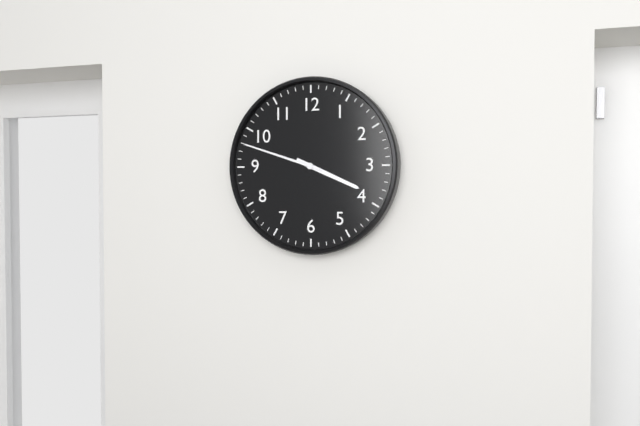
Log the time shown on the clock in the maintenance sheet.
3:48
